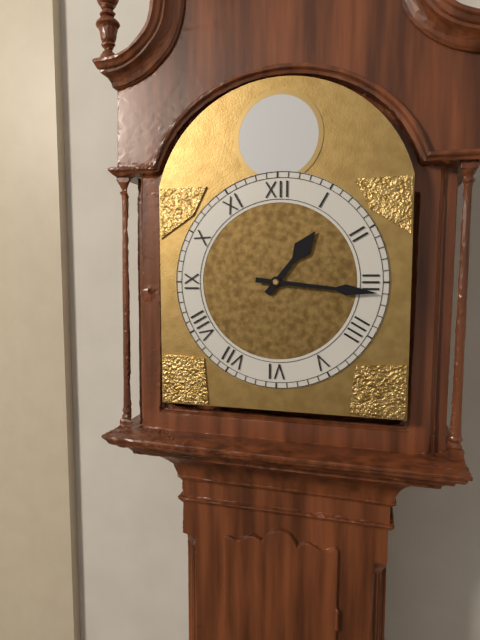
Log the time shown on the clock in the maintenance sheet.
1:16
